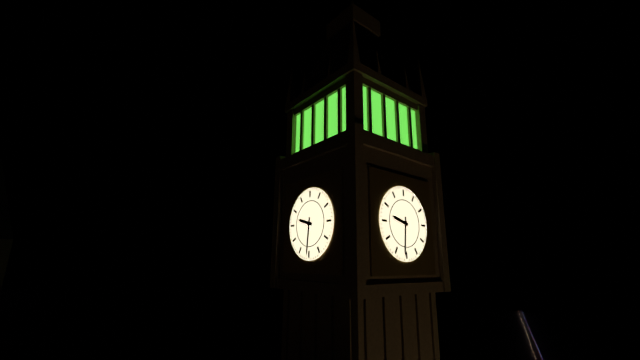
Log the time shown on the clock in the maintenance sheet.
9:31
